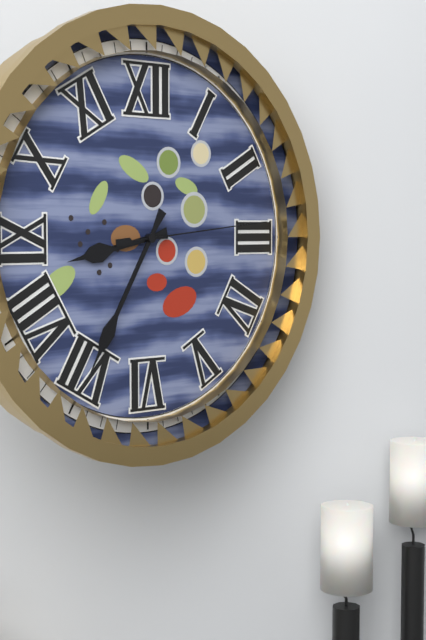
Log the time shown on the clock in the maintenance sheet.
8:35:14
